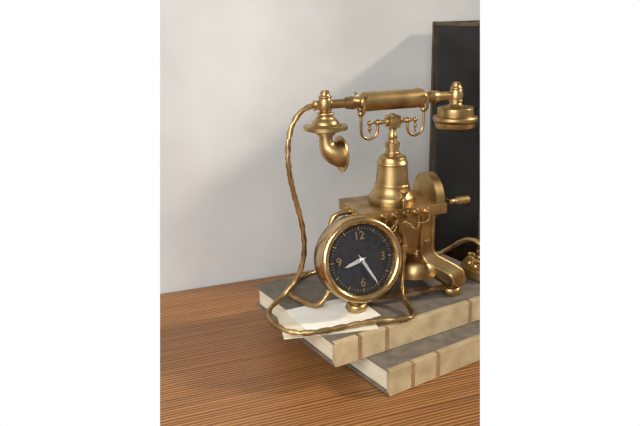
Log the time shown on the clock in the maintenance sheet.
8:25
